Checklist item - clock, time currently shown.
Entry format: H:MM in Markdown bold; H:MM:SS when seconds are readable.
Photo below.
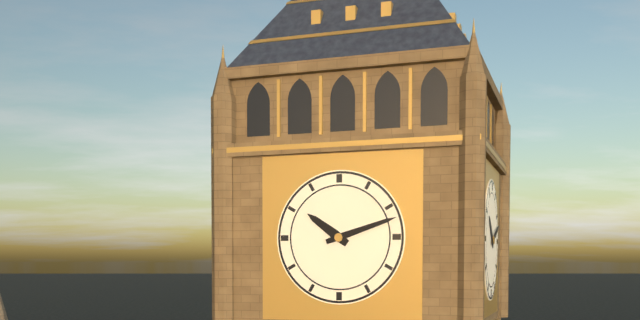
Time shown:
**10:12**
